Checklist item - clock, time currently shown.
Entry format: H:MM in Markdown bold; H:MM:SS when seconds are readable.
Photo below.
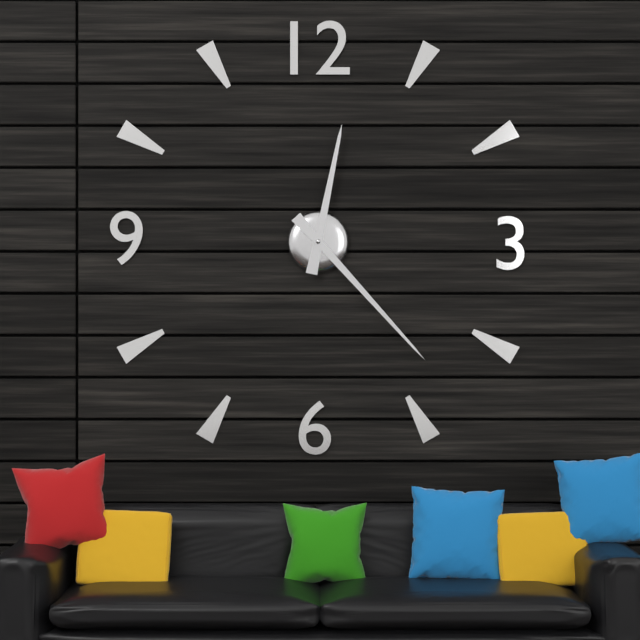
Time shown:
**12:23**
